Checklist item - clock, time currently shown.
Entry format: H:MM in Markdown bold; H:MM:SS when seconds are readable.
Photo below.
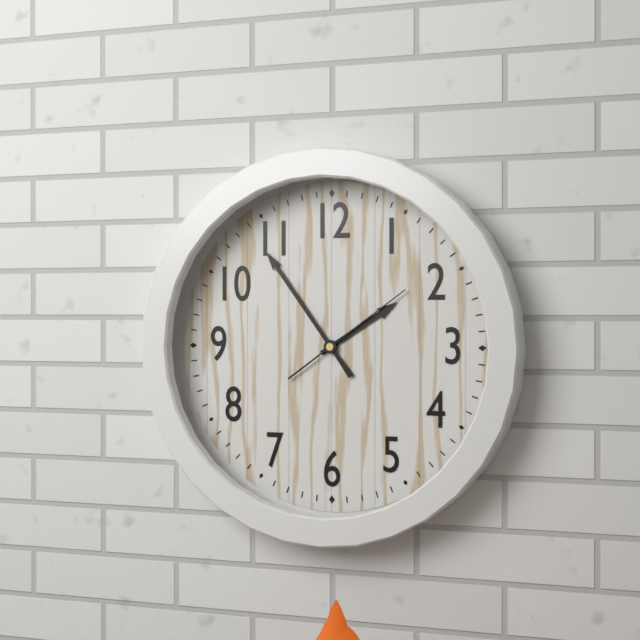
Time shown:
**1:54:09**
